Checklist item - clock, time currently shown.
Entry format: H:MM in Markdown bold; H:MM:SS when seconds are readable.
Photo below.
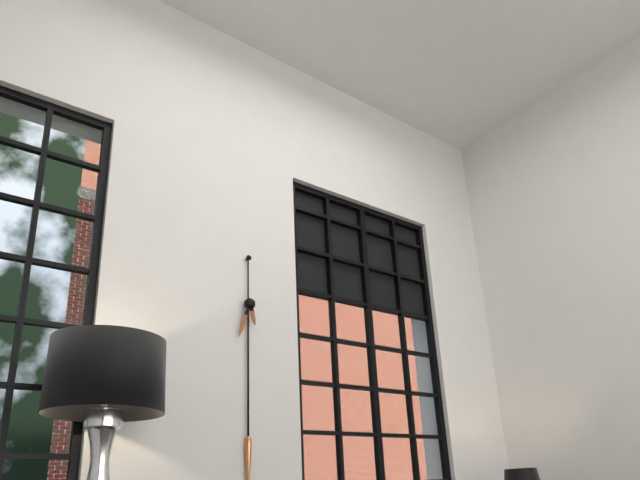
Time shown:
**5:33**
